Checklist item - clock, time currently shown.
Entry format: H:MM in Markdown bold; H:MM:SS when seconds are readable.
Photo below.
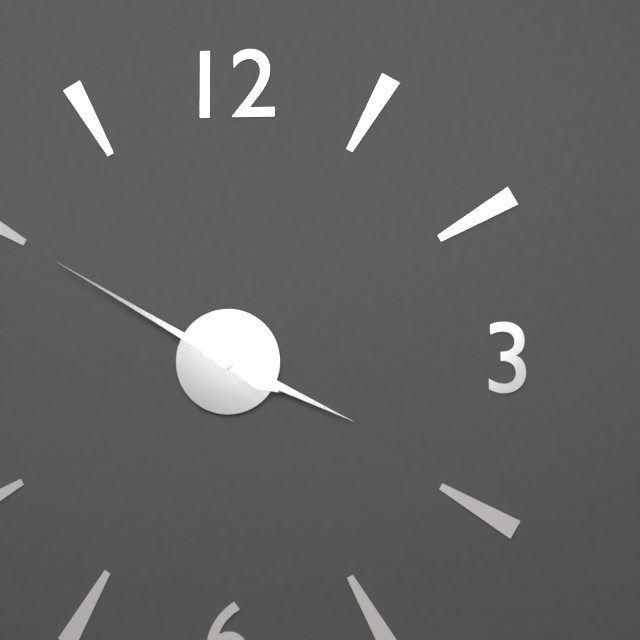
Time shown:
**3:50**
